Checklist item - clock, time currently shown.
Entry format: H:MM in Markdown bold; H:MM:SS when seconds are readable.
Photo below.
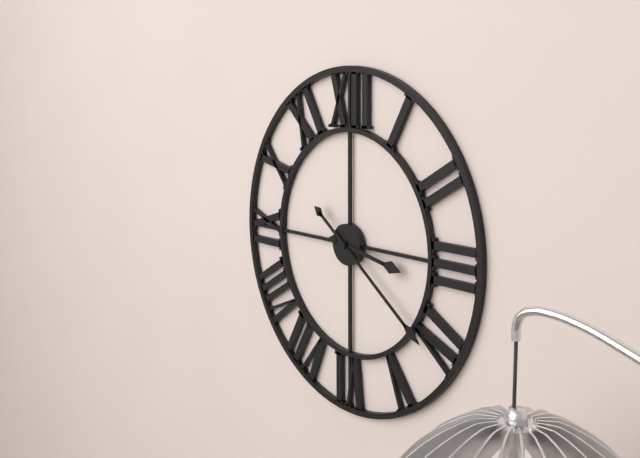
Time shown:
**3:21**
